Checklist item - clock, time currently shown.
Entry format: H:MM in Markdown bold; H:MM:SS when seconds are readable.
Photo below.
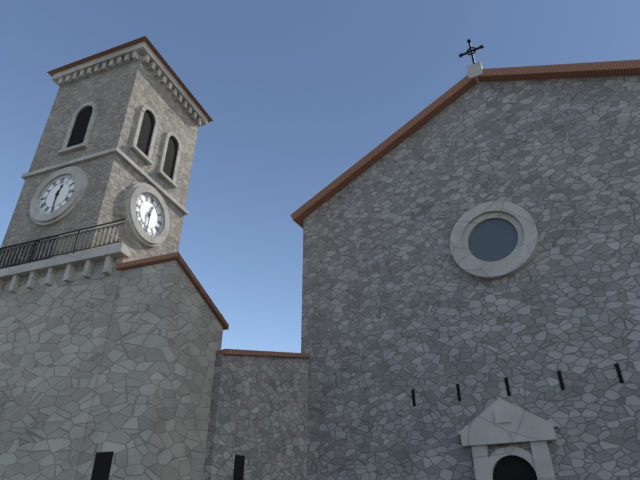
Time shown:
**12:30**
